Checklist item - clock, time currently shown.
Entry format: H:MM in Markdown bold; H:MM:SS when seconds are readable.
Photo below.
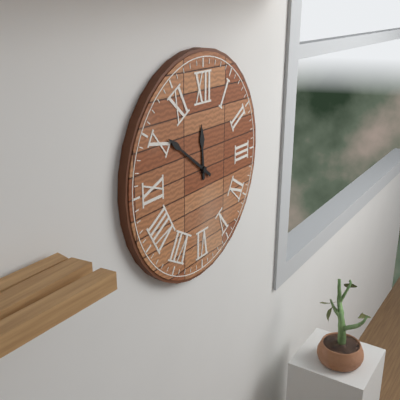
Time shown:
**11:51**
